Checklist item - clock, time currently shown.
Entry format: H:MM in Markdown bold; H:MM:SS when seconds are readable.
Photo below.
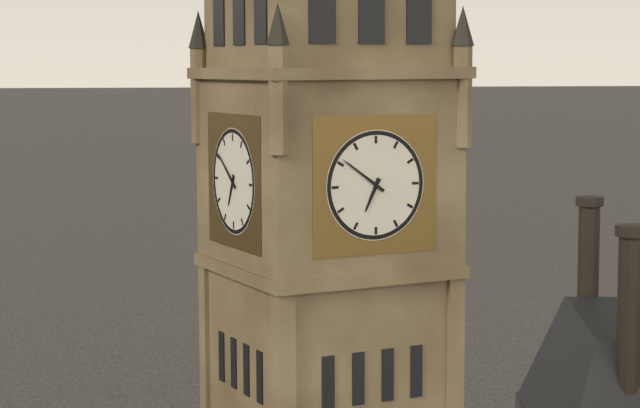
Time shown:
**6:51**
